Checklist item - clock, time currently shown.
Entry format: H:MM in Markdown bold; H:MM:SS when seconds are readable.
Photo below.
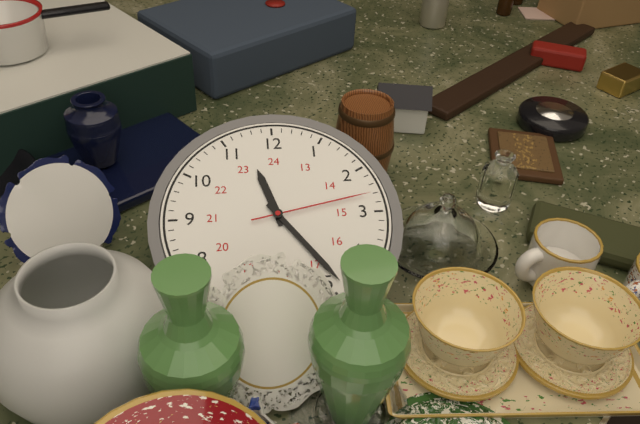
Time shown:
**11:24:13**
